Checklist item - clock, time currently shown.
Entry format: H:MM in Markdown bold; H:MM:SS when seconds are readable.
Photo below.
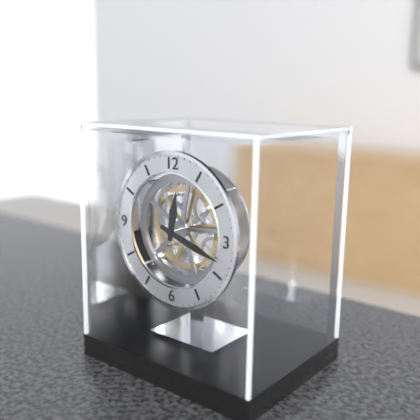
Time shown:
**12:18**
